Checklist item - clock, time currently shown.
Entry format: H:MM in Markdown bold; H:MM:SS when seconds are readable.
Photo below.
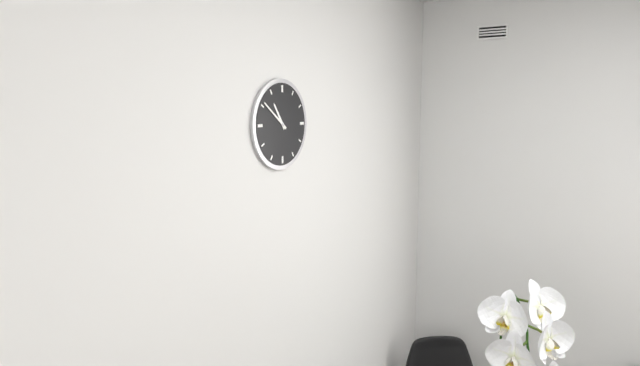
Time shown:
**10:51**
